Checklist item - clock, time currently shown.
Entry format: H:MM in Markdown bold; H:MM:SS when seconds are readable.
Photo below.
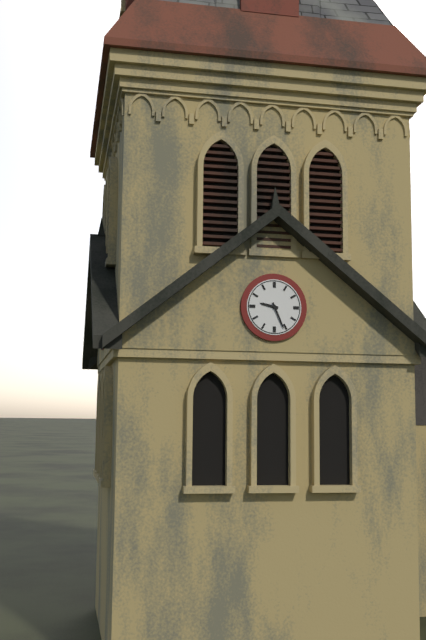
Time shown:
**9:26**
